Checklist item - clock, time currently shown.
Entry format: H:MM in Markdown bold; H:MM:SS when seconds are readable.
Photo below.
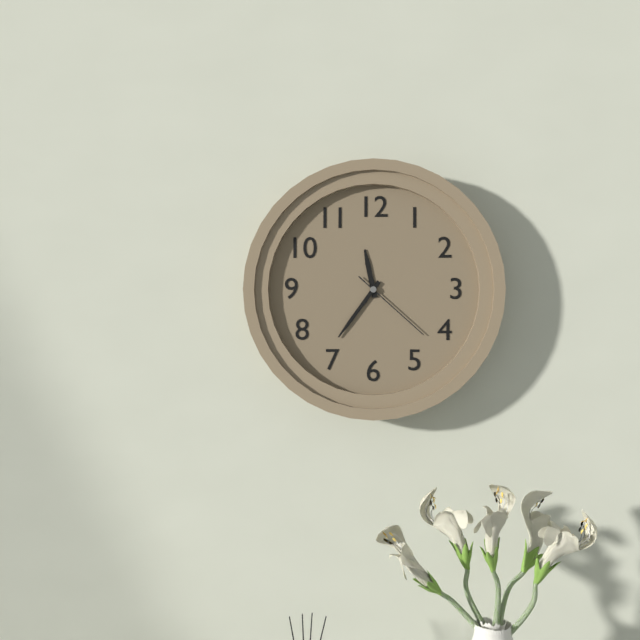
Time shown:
**11:36:22**
